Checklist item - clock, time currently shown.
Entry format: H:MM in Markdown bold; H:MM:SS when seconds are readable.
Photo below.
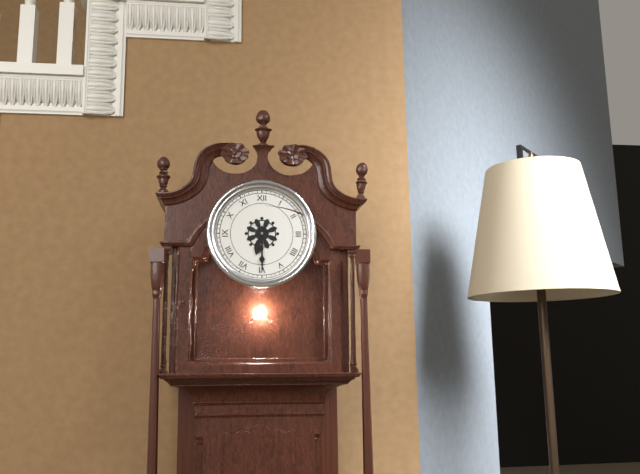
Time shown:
**6:30**
